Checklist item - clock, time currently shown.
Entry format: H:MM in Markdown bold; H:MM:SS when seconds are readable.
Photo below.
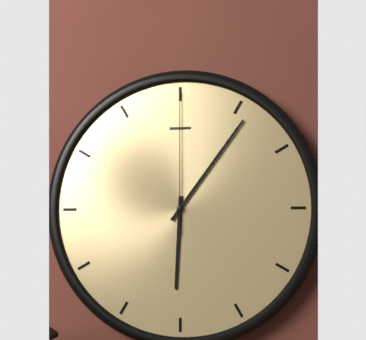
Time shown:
**6:06:00**
